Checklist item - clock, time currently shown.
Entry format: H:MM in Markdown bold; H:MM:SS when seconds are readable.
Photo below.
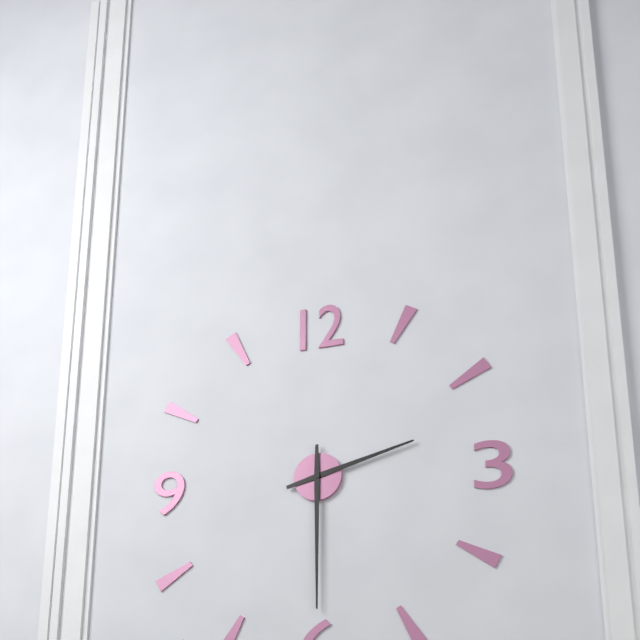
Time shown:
**2:30**
